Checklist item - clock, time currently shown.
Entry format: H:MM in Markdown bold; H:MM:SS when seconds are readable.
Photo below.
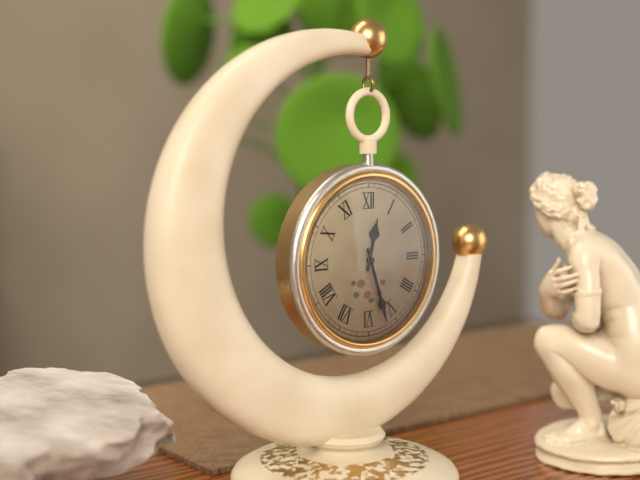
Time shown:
**12:27**
